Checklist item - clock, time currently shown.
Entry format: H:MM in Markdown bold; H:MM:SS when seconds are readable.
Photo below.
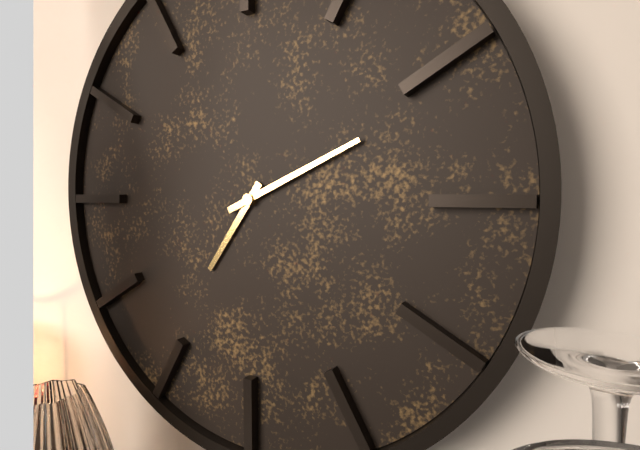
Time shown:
**7:11**
